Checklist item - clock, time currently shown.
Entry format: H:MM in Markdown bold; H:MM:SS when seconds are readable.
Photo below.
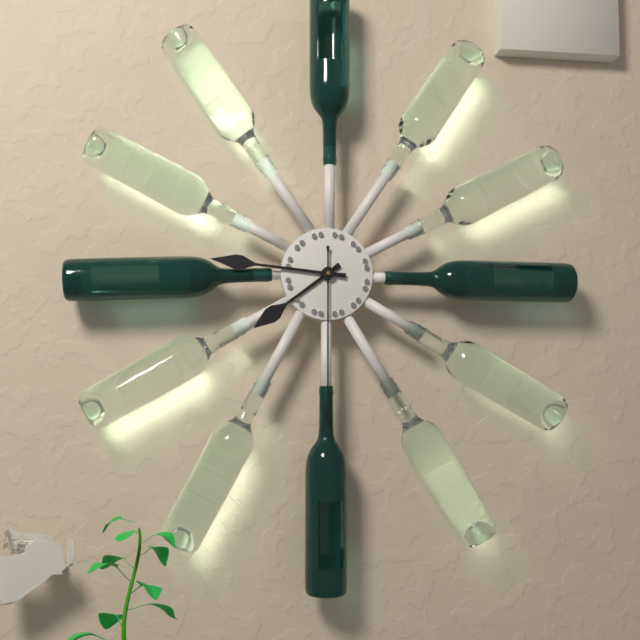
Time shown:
**7:46:30**
